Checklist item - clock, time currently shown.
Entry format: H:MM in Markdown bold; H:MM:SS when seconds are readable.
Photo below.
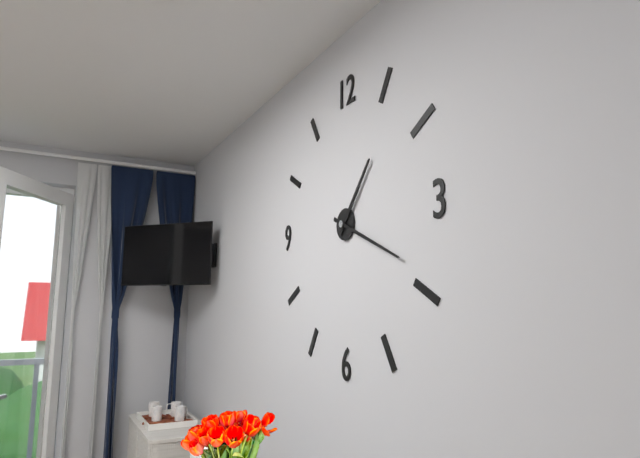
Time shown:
**1:19**
